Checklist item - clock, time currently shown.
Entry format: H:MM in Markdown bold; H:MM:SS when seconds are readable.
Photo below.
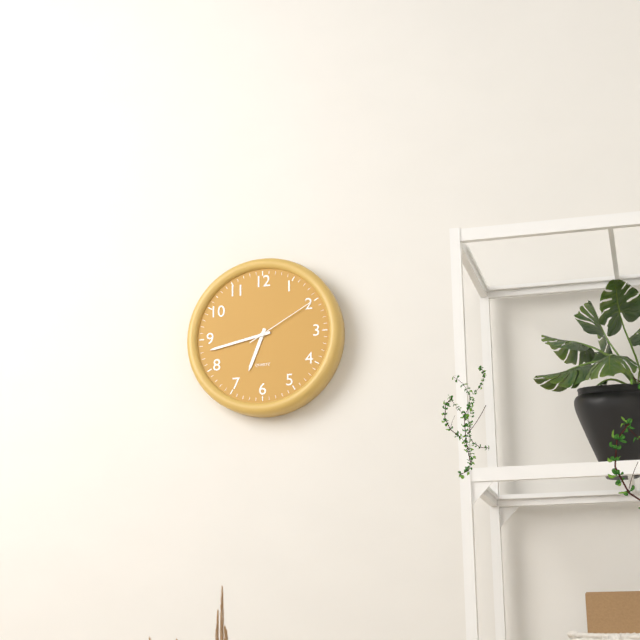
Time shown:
**6:43:10**
